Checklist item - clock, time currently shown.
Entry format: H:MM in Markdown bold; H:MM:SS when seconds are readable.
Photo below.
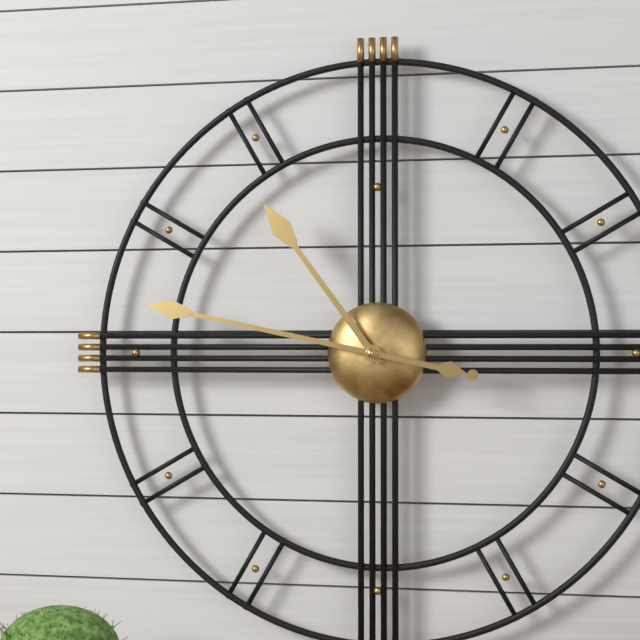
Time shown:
**10:47**
